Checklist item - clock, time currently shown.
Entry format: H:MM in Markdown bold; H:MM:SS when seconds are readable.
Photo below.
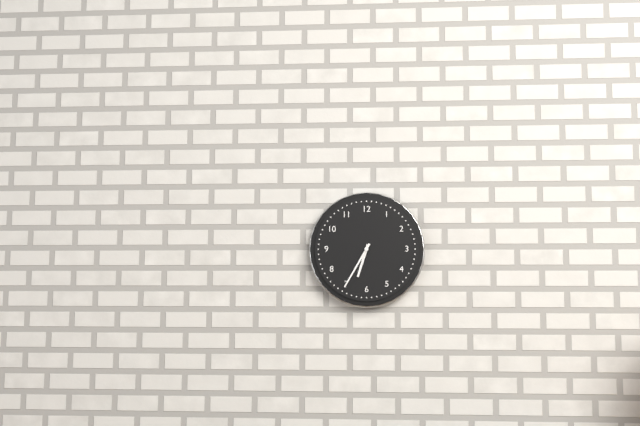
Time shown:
**6:35**
